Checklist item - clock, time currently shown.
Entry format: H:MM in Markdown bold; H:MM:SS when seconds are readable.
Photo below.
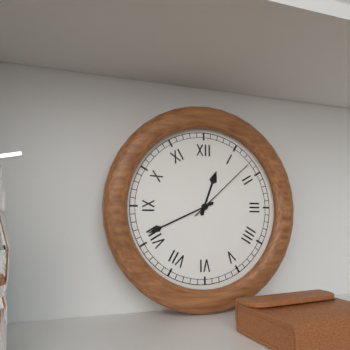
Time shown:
**12:41:08**
